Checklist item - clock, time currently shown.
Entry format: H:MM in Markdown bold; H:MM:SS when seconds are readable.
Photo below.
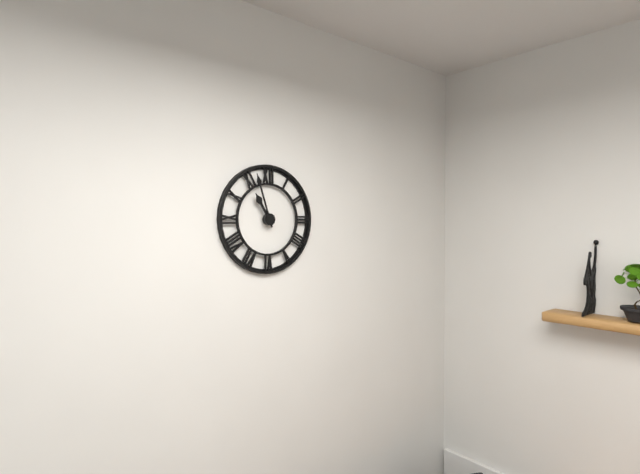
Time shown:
**10:57**
